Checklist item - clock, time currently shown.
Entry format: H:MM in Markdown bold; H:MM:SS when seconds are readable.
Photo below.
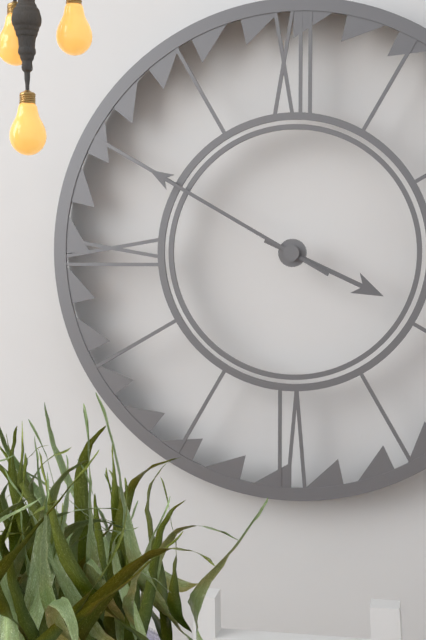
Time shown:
**3:50**
